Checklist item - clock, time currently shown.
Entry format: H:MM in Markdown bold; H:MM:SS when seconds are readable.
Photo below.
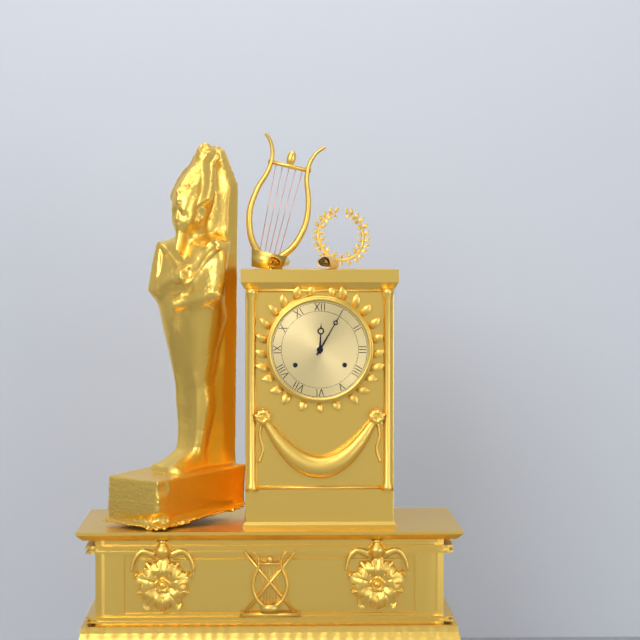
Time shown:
**12:05**
